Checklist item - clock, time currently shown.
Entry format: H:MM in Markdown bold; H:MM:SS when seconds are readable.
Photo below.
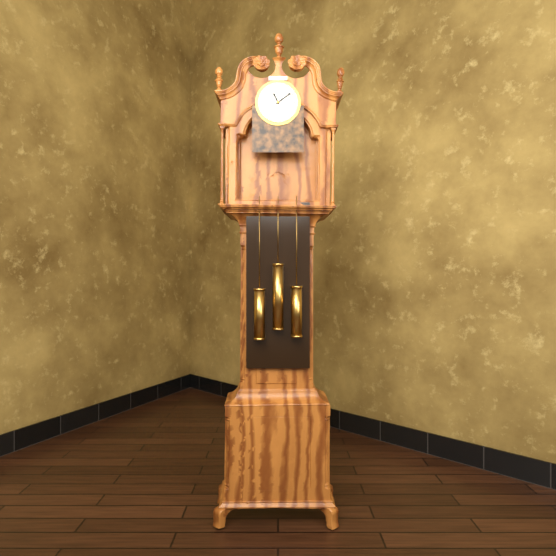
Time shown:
**11:09**
